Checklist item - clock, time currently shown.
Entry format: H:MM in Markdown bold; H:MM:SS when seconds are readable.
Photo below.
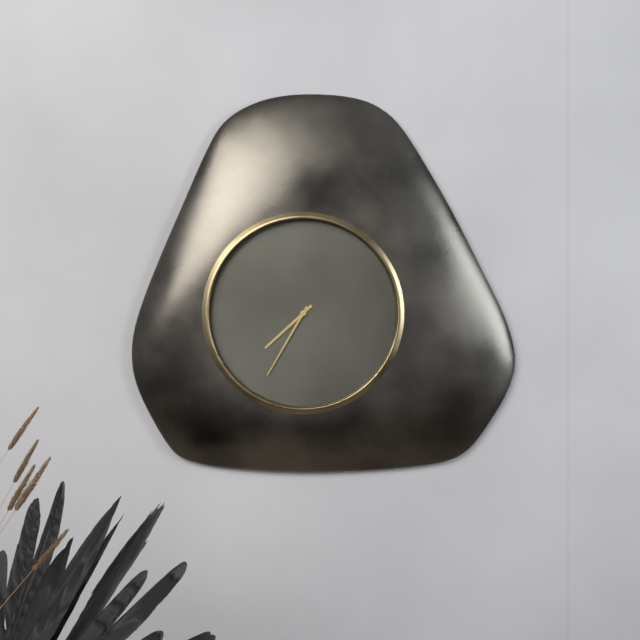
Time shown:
**7:35**
